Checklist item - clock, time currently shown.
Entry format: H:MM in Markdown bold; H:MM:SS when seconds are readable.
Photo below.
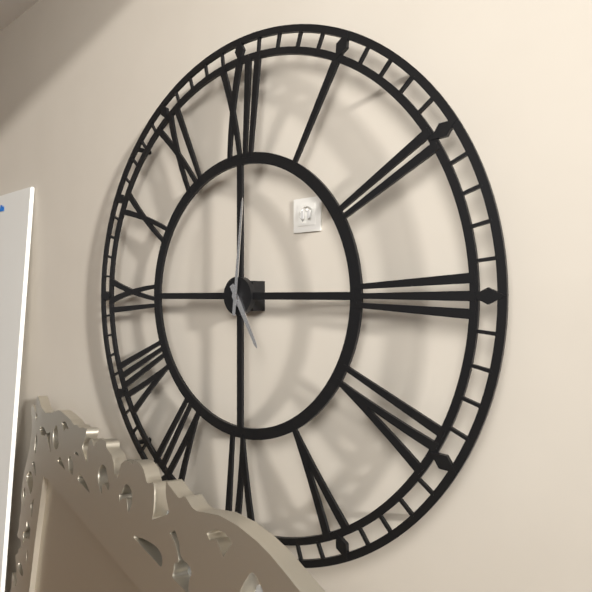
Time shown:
**5:01**
